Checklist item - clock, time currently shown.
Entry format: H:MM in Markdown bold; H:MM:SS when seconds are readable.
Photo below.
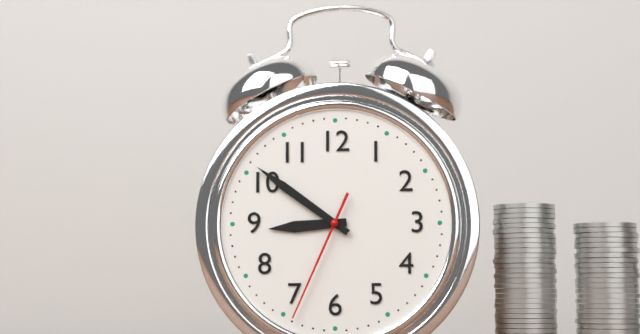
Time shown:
**8:51:34**
